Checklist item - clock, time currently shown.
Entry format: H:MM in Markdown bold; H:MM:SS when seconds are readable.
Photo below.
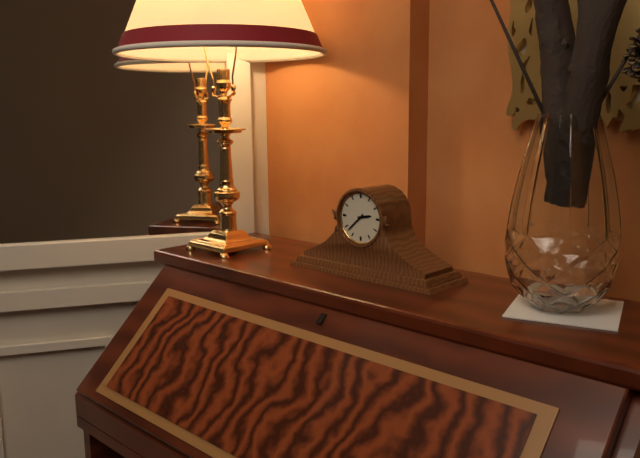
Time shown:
**2:38**
